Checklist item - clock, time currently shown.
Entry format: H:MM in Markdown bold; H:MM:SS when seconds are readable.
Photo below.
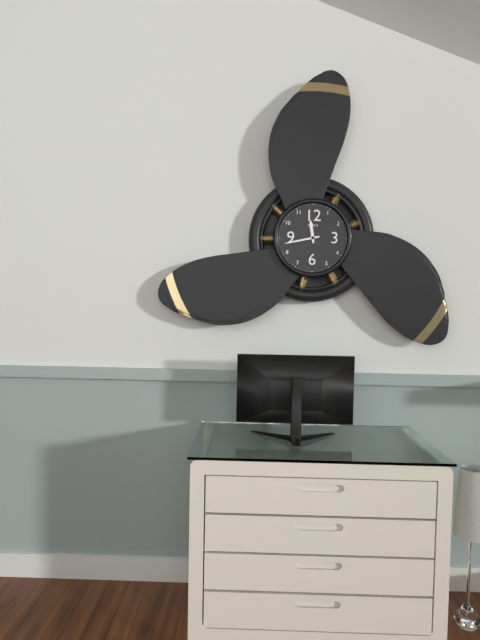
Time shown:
**11:43**
